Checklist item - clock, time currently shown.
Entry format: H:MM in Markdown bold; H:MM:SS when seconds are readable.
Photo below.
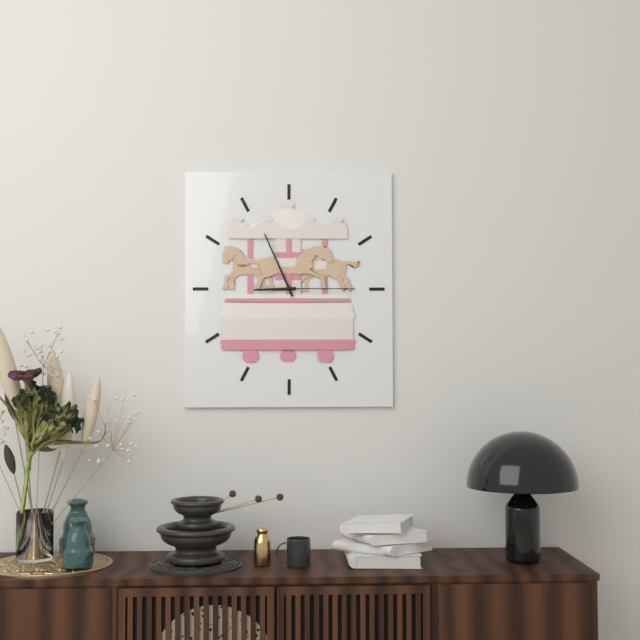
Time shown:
**8:56:15**
